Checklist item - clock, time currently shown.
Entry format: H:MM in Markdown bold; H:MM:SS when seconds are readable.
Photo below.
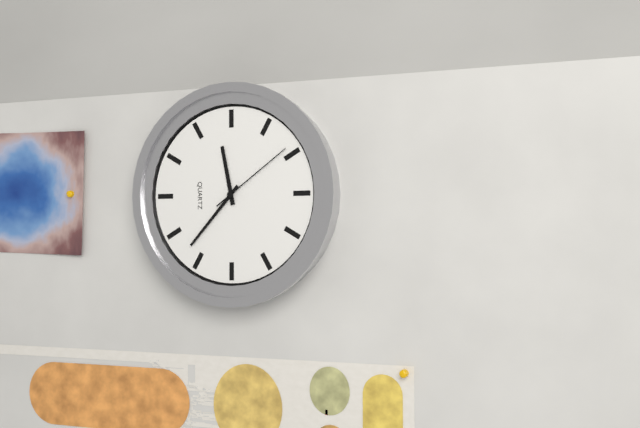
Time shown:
**11:37:09**
